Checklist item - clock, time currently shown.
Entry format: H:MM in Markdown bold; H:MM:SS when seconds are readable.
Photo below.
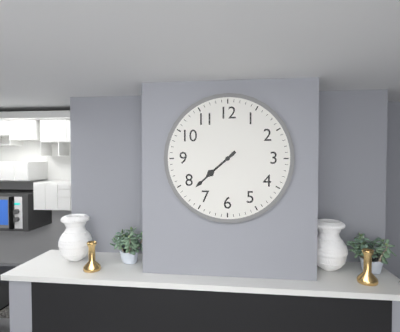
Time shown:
**7:38**
